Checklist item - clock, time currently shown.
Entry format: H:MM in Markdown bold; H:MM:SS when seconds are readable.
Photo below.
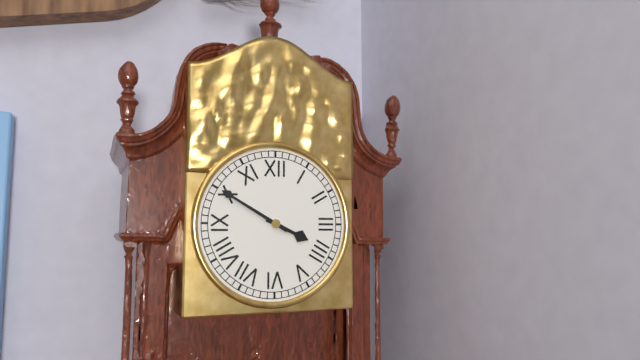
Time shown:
**3:50**
